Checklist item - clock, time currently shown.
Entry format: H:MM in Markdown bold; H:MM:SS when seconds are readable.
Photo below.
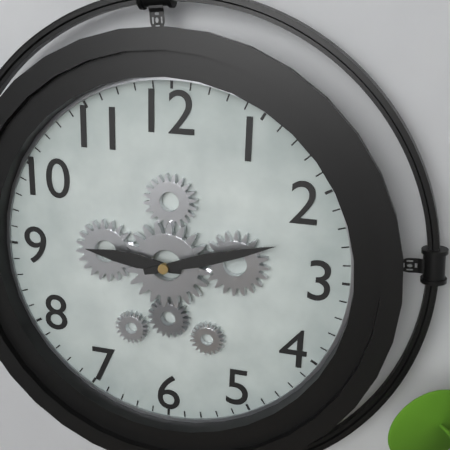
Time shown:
**9:12**
